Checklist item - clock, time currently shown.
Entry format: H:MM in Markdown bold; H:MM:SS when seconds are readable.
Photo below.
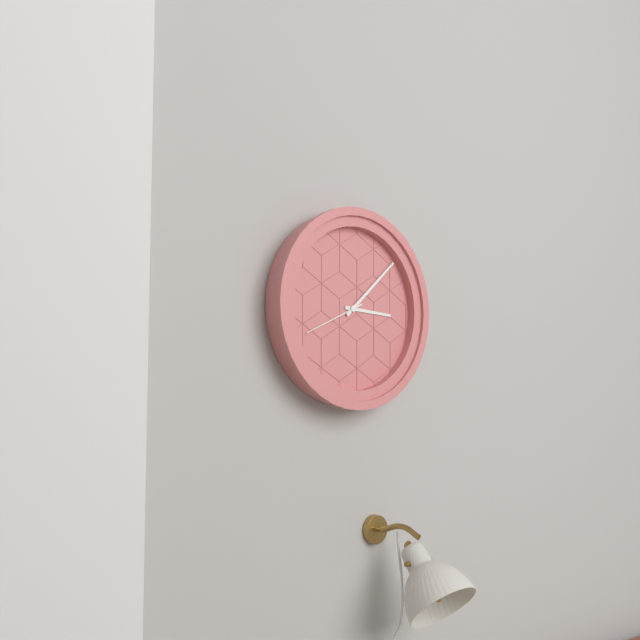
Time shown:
**3:08:41**
